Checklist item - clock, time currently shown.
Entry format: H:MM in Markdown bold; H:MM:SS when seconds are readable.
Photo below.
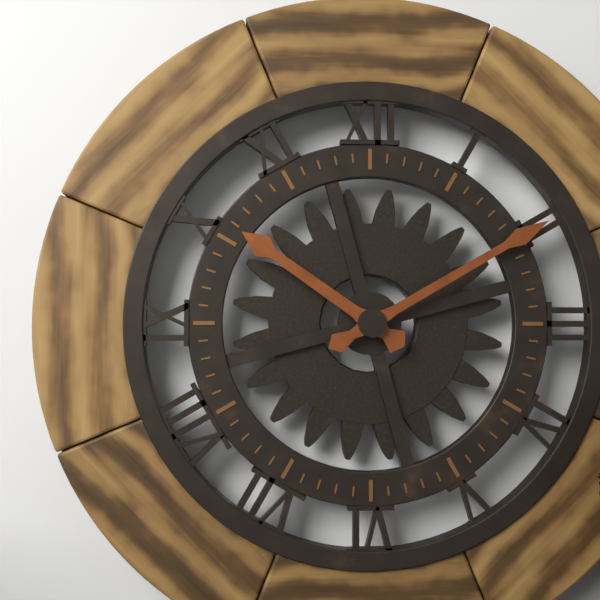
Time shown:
**10:10**
